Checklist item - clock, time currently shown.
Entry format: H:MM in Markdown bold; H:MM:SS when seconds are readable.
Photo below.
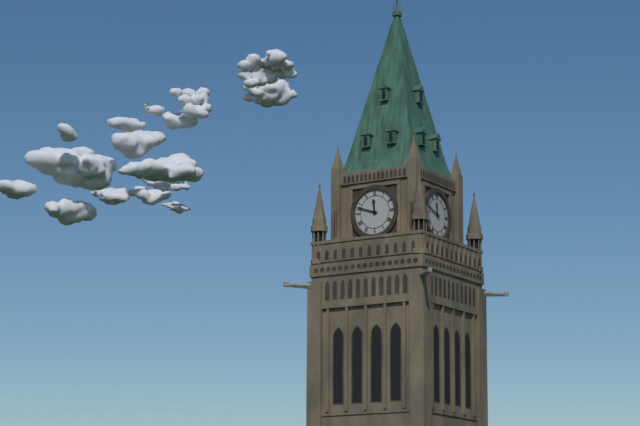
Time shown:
**11:48**
